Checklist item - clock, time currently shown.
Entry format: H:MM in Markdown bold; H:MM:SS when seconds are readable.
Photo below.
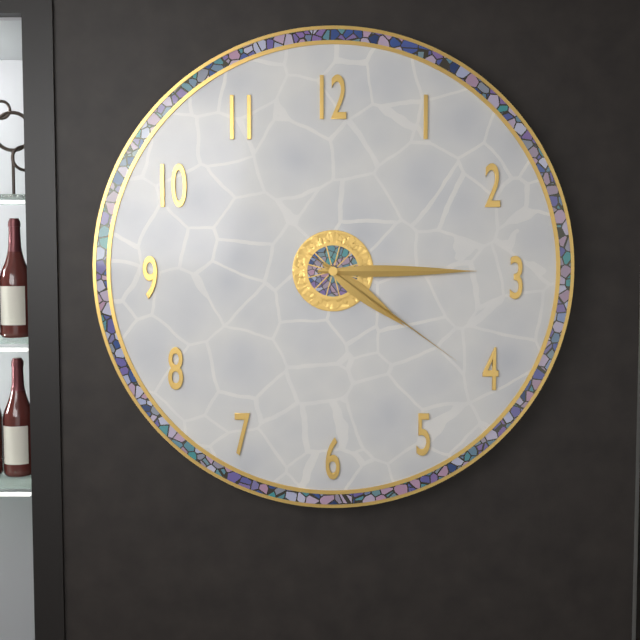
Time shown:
**4:15:21**
